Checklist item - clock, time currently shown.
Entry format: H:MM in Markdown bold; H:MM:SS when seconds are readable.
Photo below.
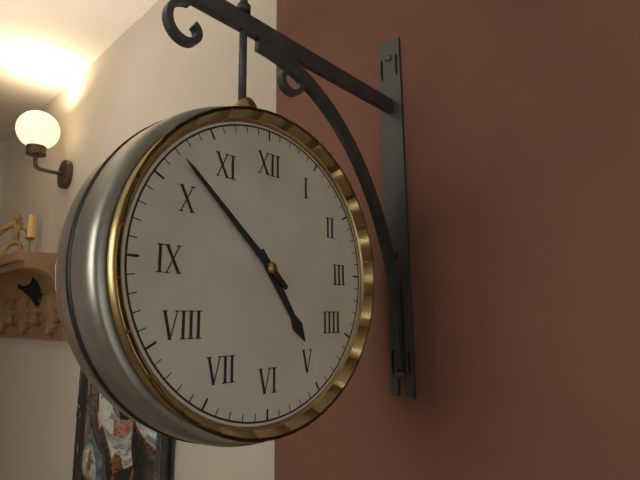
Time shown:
**4:52**
